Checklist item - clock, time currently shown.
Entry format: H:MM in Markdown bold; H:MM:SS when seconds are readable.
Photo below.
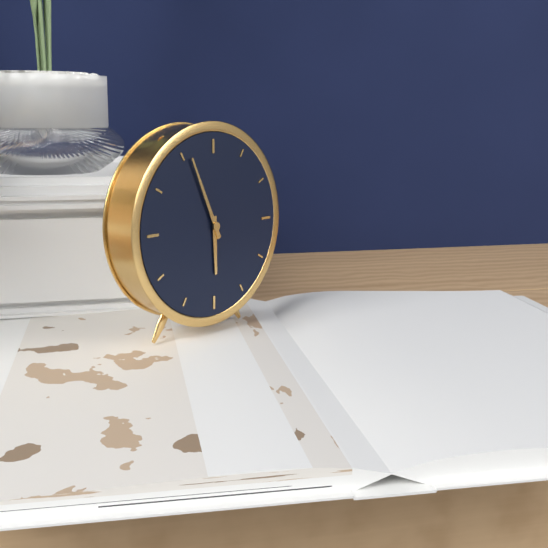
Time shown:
**5:56**
